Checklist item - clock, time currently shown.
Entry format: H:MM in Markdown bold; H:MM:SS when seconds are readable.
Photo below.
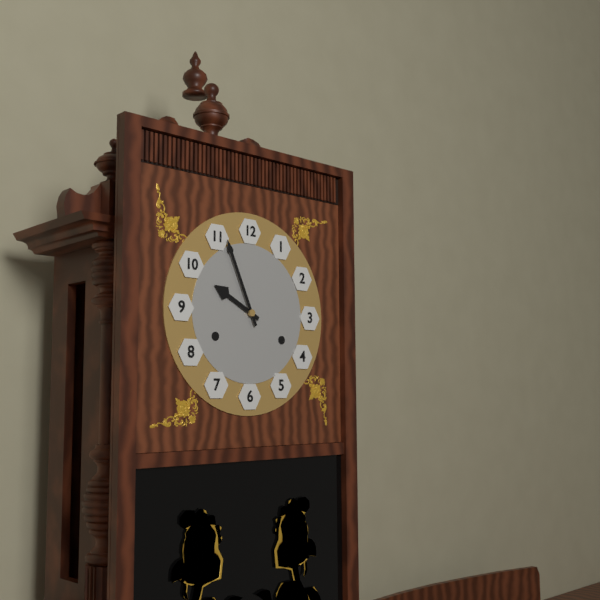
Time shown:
**9:56**
